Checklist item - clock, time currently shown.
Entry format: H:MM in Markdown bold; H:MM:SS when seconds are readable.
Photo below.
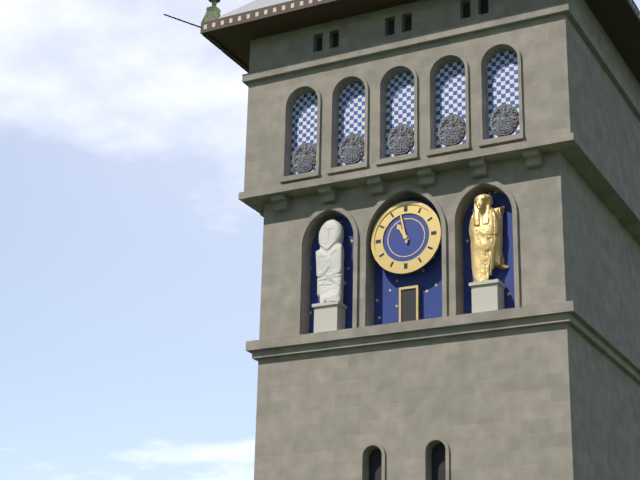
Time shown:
**10:58**
